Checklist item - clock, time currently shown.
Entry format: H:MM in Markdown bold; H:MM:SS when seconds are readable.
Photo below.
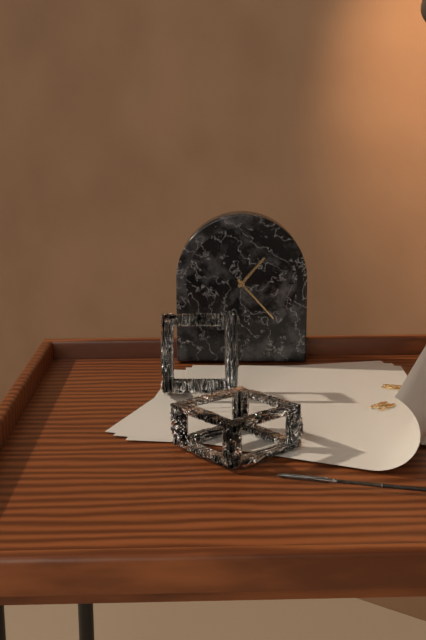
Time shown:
**1:23**
